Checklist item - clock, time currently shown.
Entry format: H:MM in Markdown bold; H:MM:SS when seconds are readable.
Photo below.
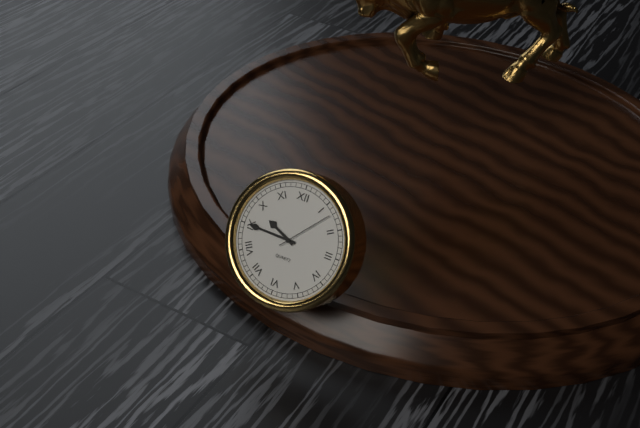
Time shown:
**9:45:07**
